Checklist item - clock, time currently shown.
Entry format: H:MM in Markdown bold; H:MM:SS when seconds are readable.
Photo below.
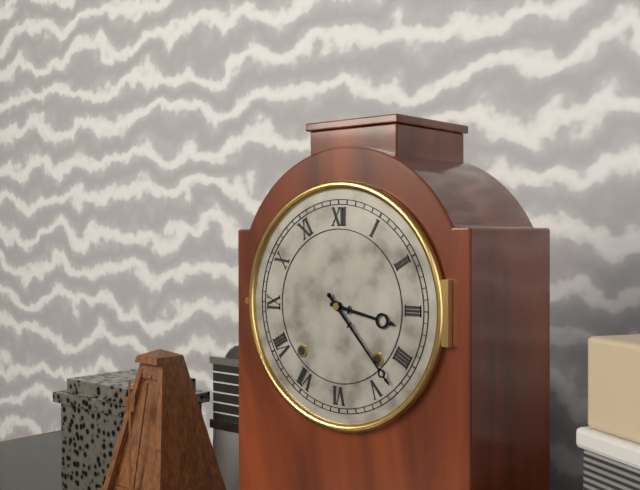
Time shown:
**3:23**
